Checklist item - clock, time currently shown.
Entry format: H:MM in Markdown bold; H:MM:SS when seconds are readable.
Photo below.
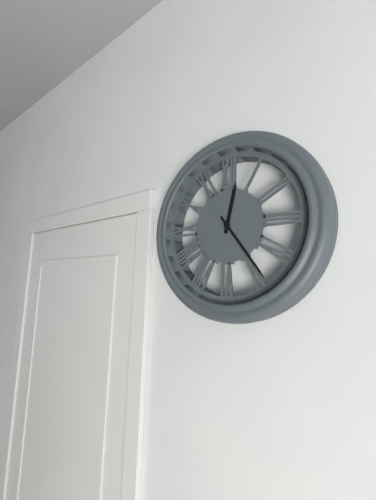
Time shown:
**12:24**
